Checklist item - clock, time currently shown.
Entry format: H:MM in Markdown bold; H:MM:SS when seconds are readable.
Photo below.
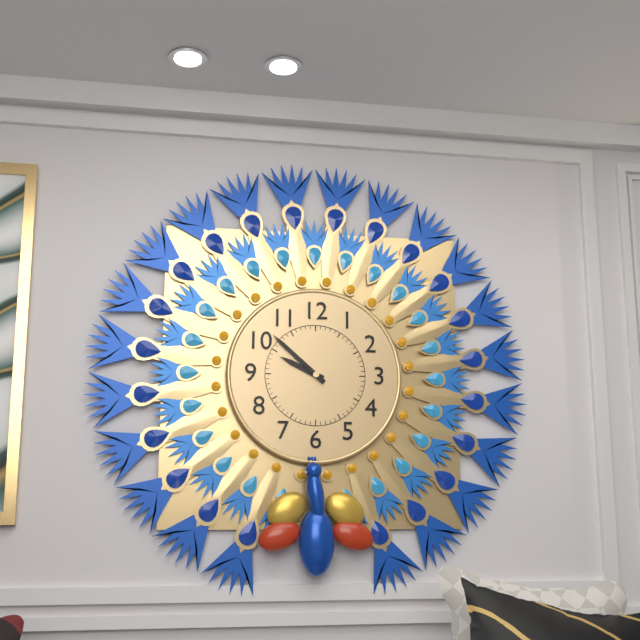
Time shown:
**9:52**
